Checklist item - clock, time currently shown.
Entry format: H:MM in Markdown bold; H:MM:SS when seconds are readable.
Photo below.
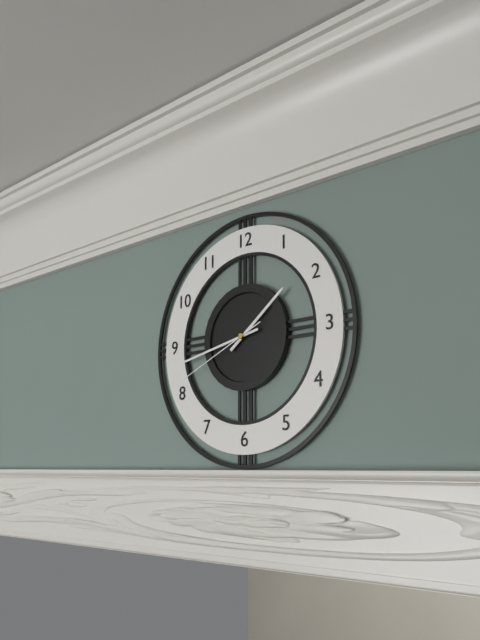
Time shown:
**1:43:41**
